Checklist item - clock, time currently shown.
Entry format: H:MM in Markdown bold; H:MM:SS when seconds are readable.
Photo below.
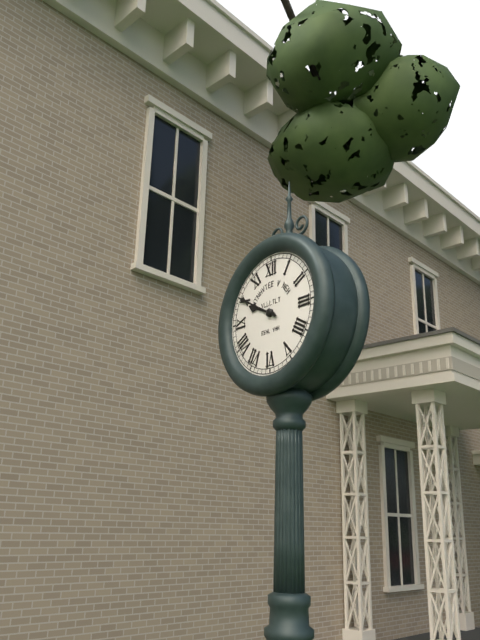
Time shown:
**9:50**
